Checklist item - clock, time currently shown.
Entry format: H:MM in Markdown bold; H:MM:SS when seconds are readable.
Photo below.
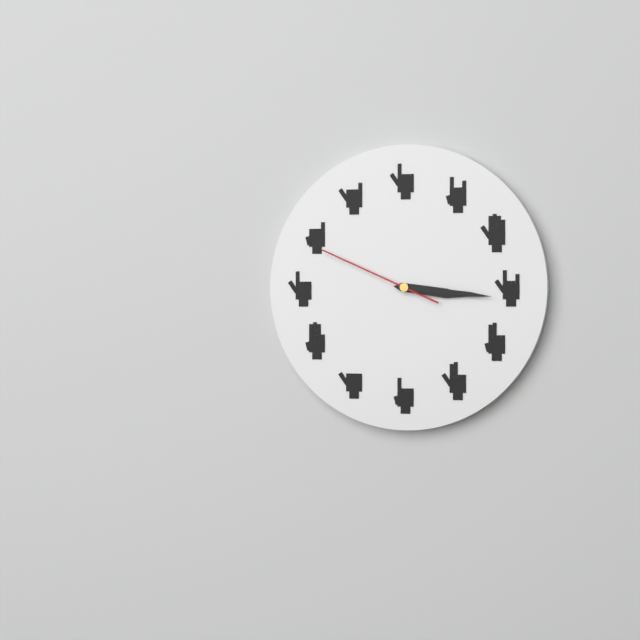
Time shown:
**3:16:49**
